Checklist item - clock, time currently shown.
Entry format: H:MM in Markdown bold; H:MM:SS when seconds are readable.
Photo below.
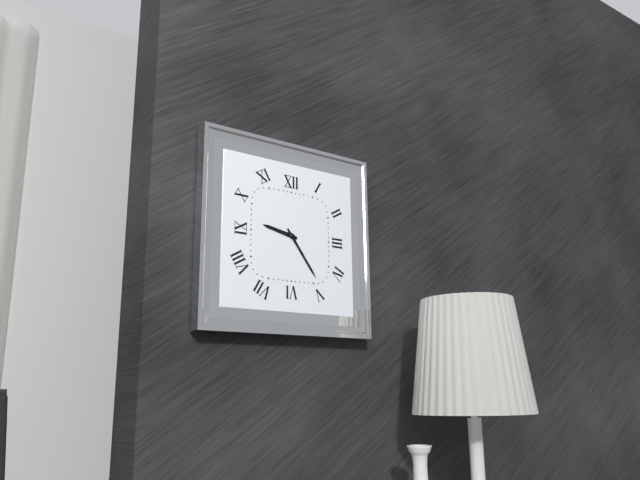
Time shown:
**9:24**
